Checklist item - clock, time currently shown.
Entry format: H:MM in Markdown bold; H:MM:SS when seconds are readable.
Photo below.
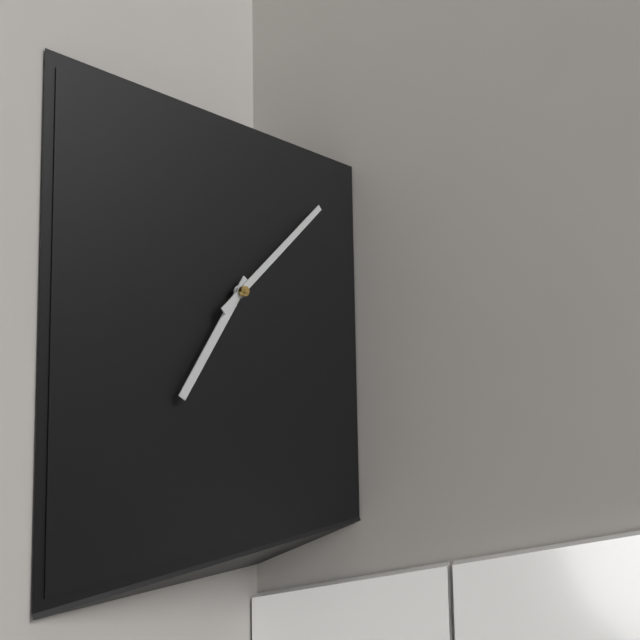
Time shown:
**7:08**
